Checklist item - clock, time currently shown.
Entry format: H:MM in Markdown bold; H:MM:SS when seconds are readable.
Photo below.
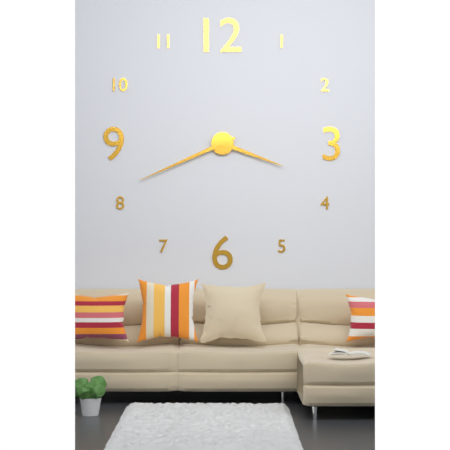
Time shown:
**3:41**
